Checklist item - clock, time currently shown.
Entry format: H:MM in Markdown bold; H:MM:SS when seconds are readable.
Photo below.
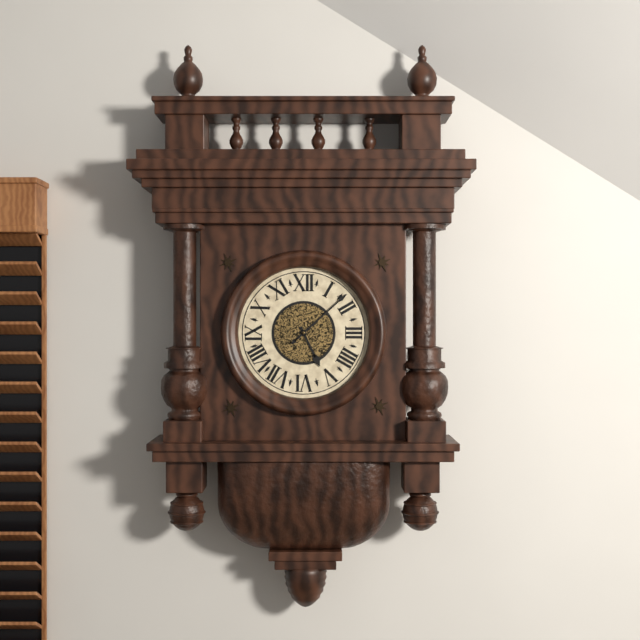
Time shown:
**5:08**
